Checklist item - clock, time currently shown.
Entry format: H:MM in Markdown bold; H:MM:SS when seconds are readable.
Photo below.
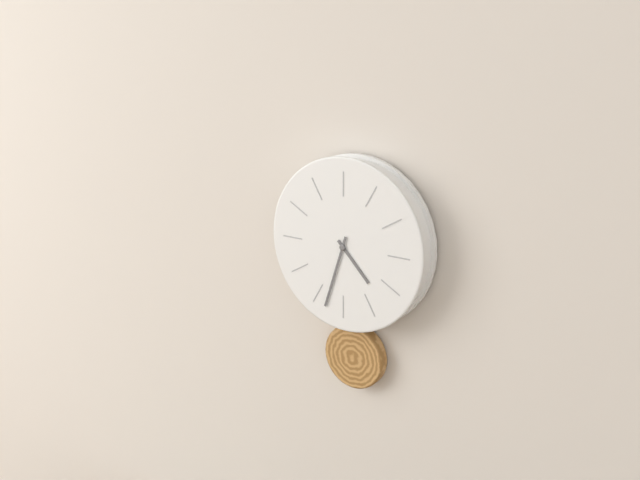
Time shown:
**4:33**
